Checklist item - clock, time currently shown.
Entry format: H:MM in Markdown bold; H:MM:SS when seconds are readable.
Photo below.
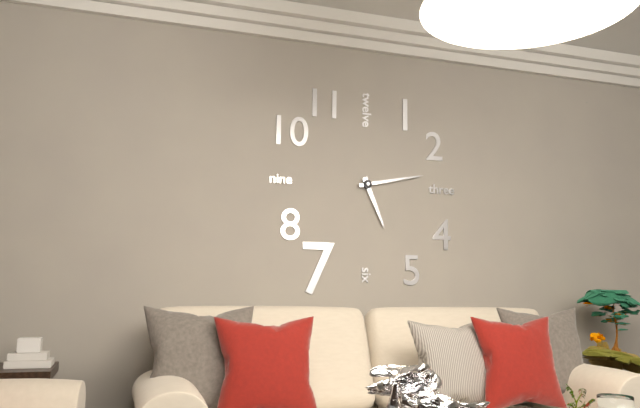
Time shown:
**5:13**
